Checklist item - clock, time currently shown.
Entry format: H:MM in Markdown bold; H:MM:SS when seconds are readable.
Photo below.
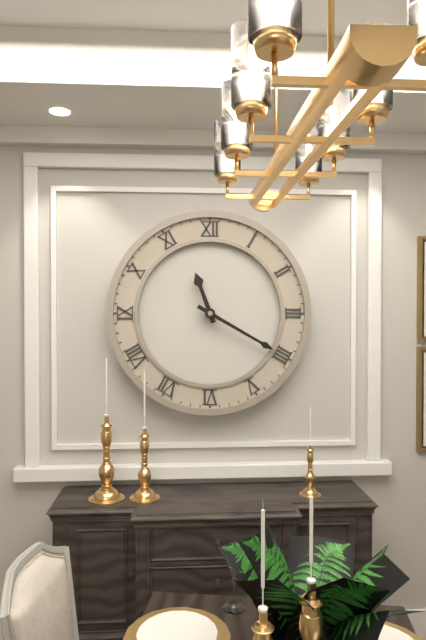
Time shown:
**11:20**
